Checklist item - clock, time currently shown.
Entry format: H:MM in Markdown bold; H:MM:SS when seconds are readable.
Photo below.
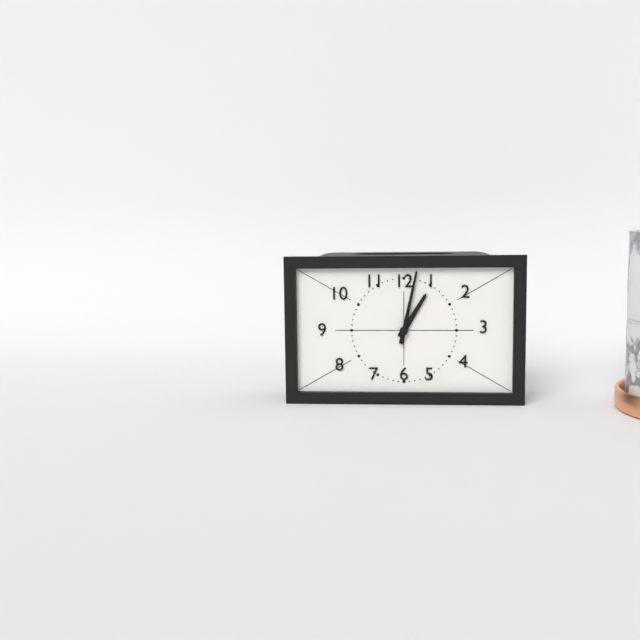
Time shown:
**1:02**
